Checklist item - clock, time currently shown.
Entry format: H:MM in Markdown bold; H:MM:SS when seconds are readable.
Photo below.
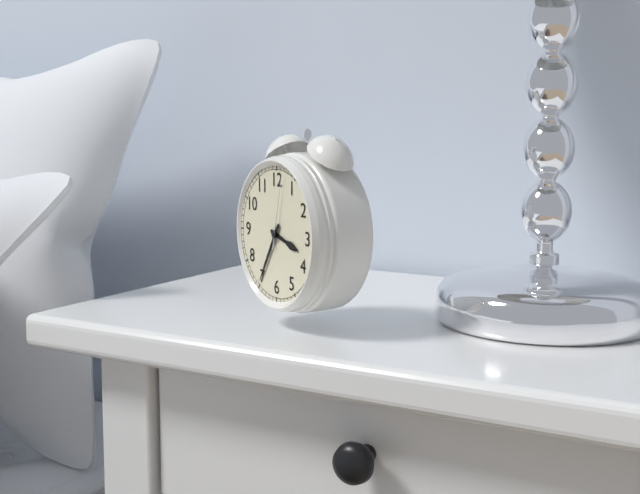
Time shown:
**3:35:02**
